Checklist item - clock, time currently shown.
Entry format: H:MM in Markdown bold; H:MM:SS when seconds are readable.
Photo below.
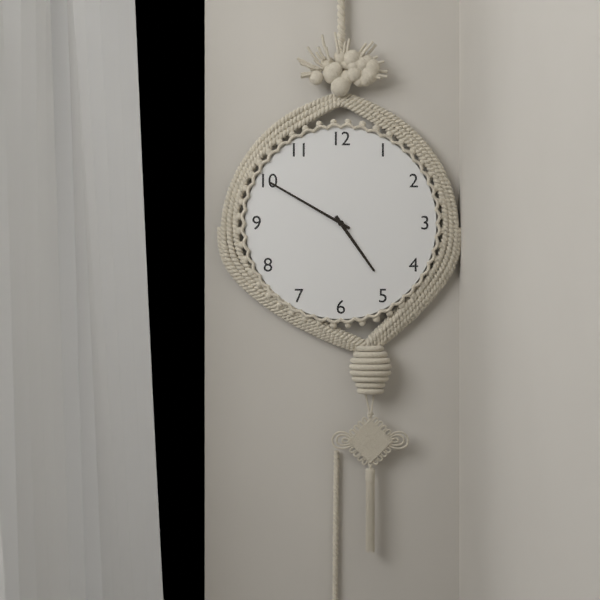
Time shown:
**4:50**
